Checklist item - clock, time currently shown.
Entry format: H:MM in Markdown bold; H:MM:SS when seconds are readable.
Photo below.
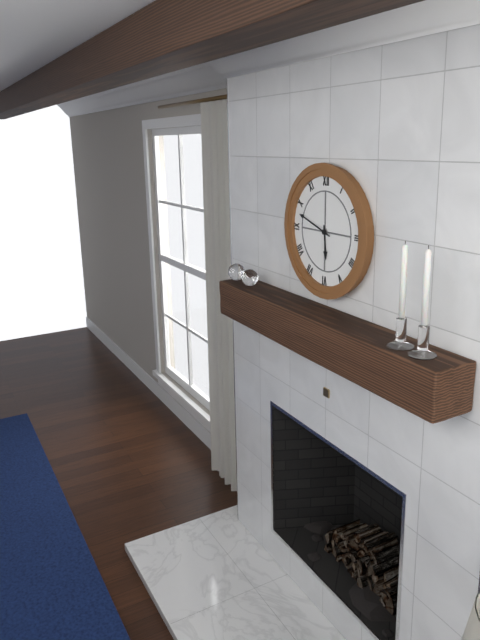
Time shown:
**5:48**
